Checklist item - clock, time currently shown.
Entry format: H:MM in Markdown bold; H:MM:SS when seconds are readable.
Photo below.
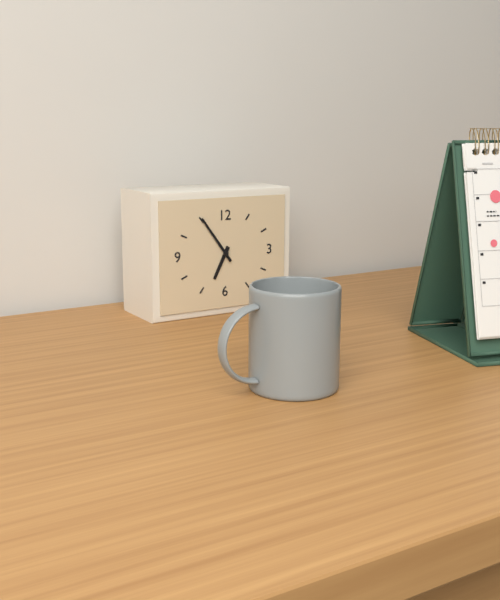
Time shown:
**6:54**
